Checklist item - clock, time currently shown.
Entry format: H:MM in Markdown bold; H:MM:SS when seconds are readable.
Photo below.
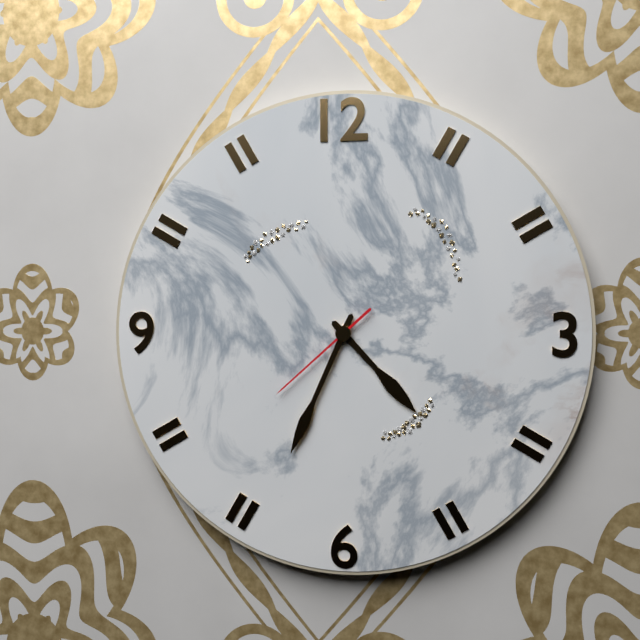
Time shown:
**4:34:38**
